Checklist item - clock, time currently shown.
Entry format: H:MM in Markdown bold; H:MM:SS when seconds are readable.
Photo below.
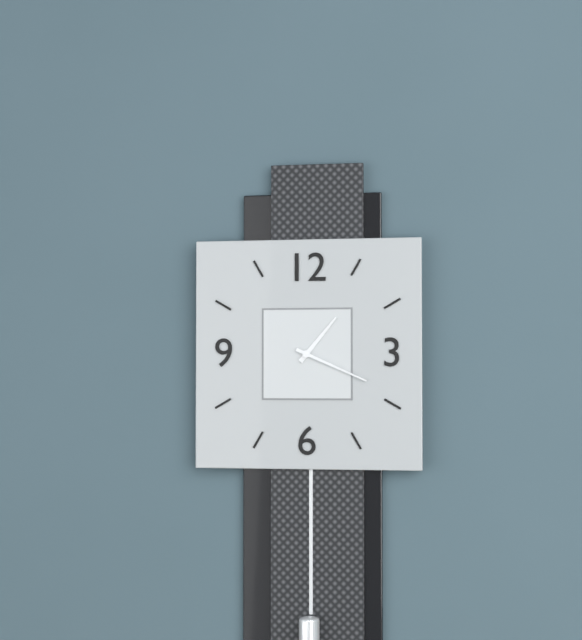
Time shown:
**1:19**
